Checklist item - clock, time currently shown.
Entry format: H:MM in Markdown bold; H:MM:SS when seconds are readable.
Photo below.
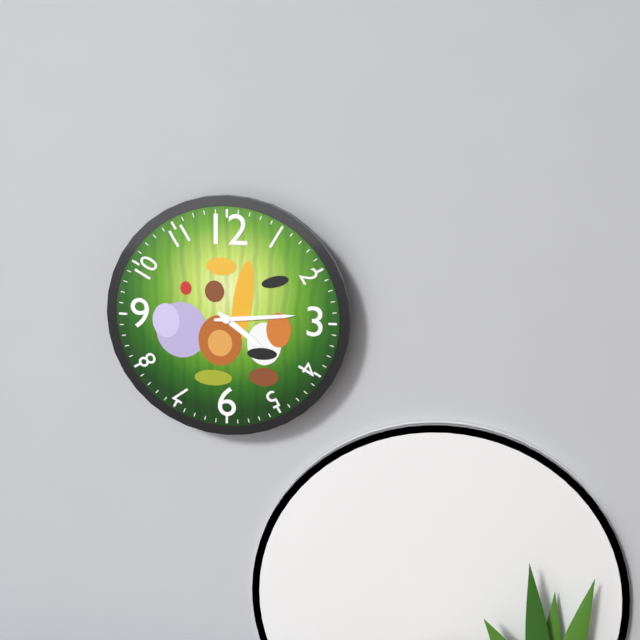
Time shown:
**4:14**
